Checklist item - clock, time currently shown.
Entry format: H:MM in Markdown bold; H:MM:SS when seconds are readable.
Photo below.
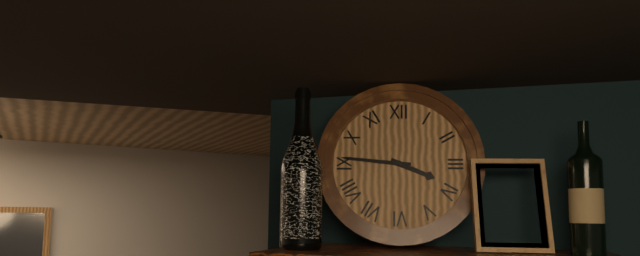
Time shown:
**3:46**
